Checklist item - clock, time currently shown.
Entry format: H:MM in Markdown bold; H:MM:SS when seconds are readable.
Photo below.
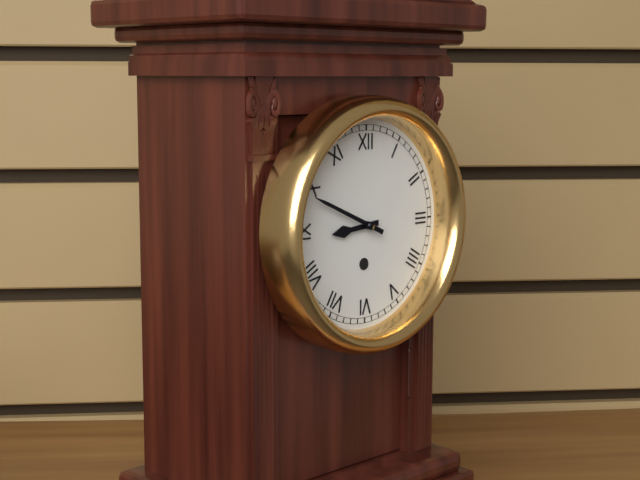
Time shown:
**8:49**
